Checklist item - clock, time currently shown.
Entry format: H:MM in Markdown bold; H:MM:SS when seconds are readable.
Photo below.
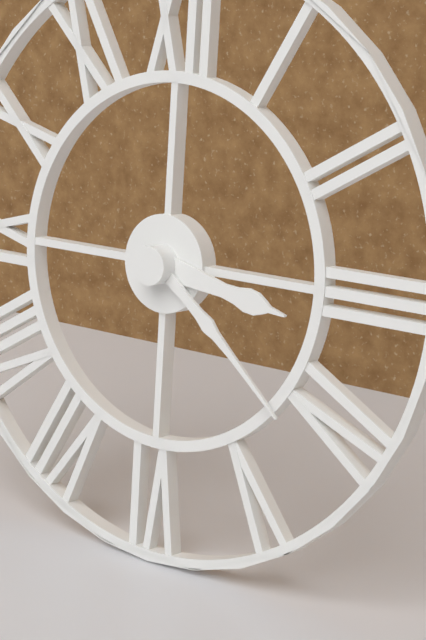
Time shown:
**3:21**
